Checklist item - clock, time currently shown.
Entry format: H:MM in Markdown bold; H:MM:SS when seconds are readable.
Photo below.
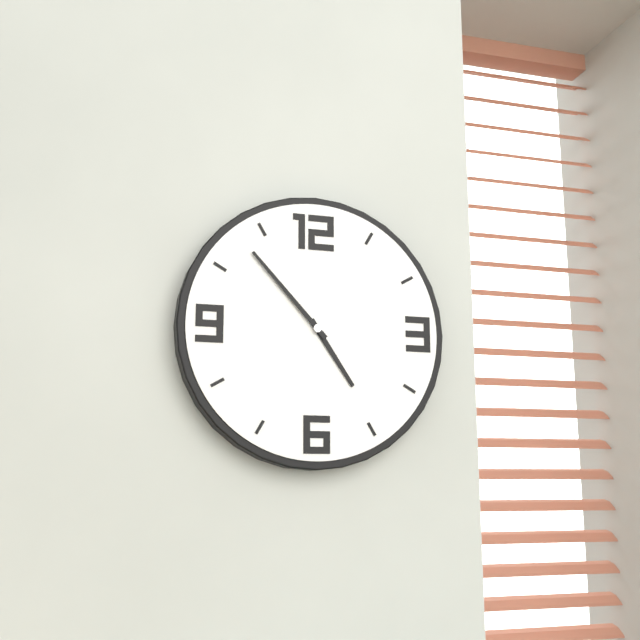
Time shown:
**4:53**
